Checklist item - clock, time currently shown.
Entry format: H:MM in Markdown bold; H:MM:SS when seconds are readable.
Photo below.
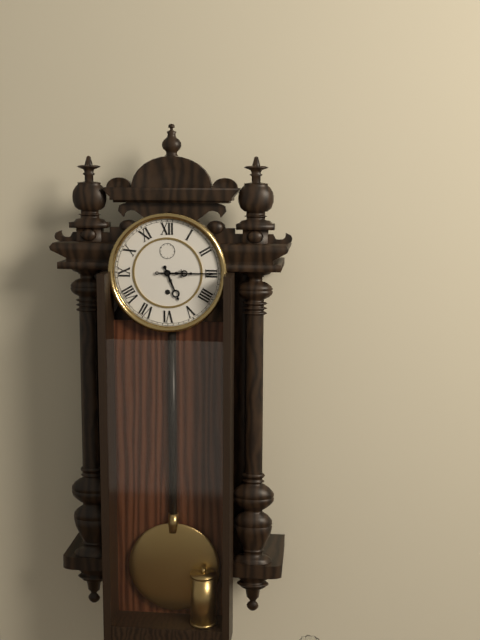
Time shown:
**5:15**
